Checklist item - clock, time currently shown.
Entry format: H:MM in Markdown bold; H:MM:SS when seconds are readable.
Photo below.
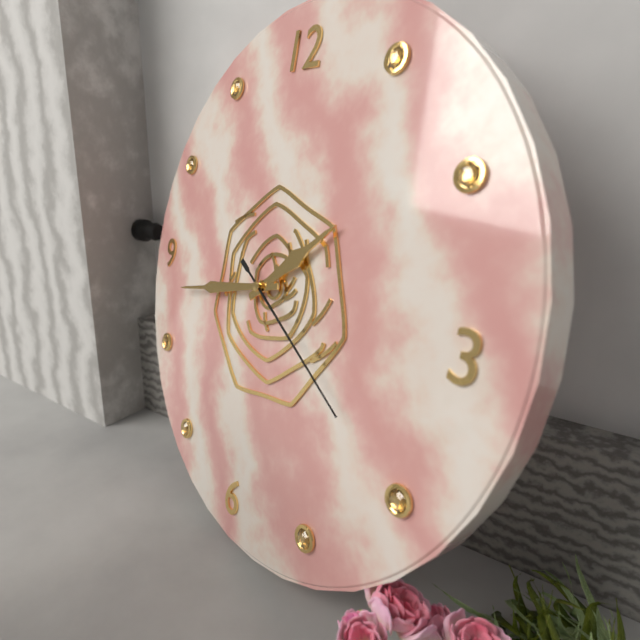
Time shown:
**1:43:20**
